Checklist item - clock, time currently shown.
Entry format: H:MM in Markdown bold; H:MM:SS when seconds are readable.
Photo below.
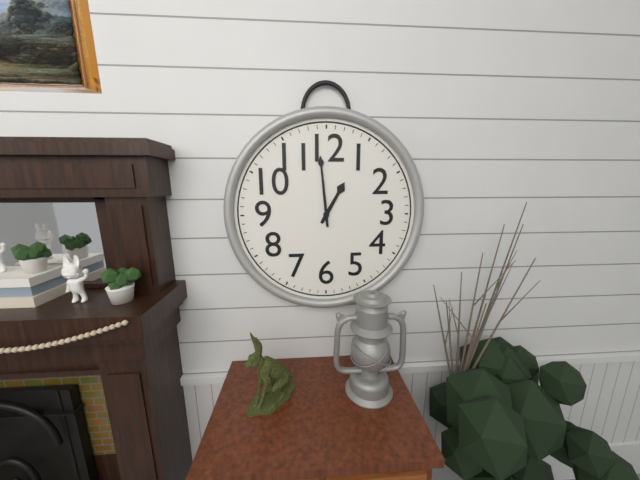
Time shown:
**12:59**
